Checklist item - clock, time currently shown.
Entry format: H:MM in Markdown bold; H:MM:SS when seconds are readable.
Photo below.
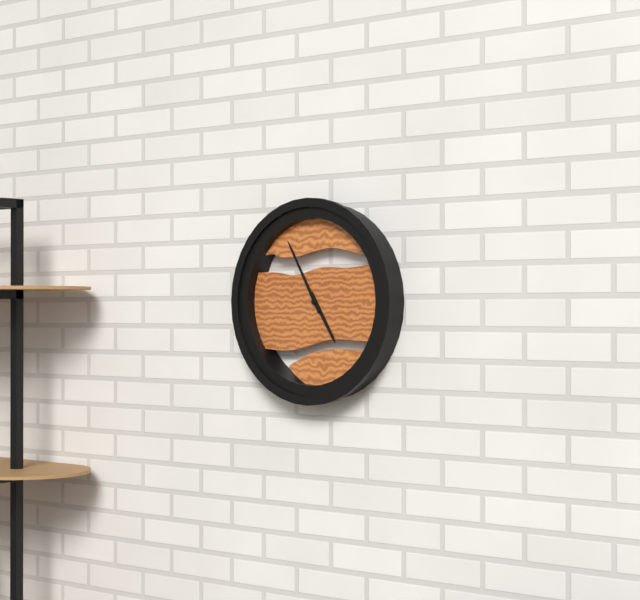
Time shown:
**4:55**
